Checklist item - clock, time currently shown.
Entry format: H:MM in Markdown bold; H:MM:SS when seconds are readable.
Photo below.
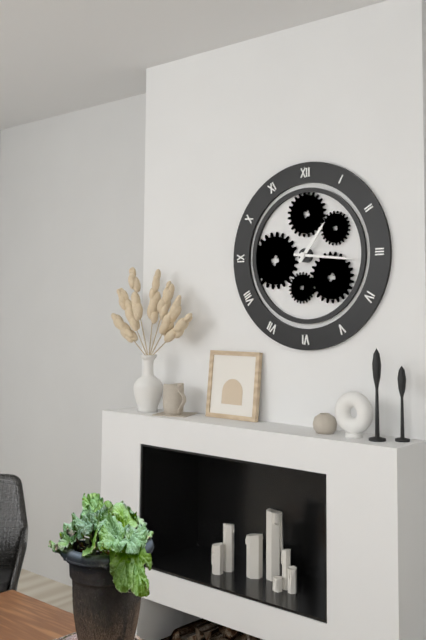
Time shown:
**1:16**
